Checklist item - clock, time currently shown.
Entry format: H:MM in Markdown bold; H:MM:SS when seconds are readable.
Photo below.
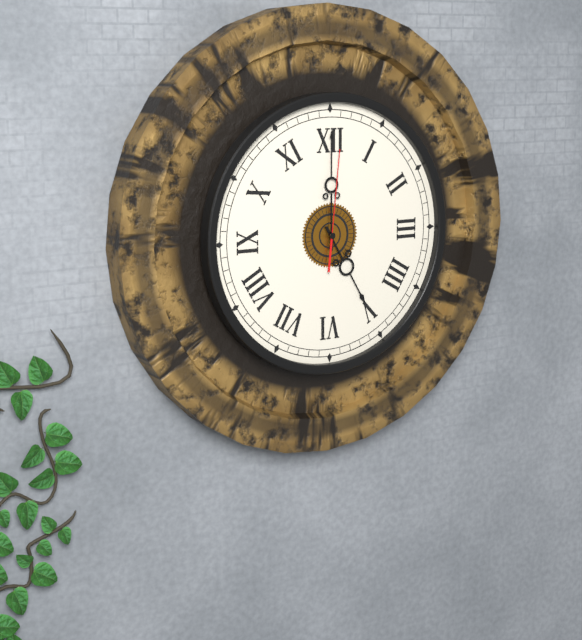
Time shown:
**5:00:01**
